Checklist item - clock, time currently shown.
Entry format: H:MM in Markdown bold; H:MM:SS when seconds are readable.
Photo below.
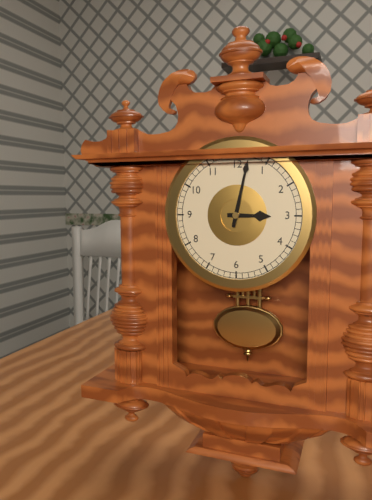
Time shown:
**3:02**
